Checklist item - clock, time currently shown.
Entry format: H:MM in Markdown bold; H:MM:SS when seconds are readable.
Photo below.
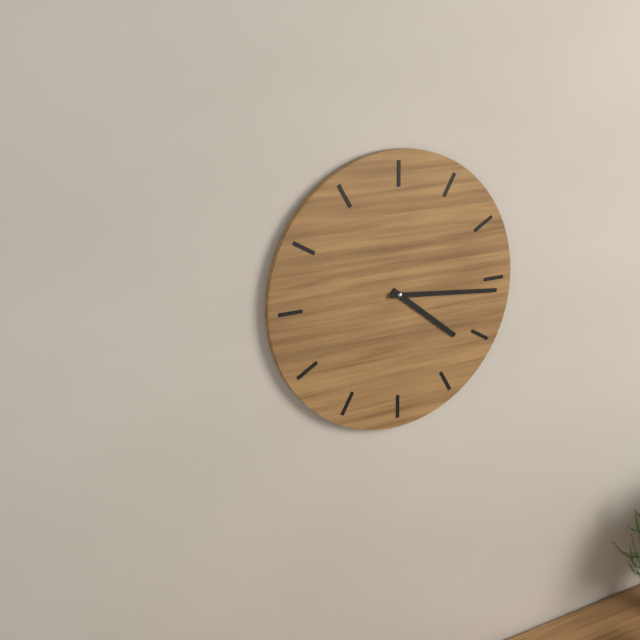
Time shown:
**4:16**
